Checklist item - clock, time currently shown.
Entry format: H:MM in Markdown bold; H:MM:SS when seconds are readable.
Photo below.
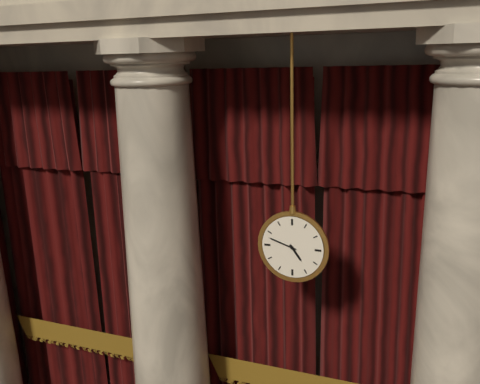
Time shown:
**4:48**
